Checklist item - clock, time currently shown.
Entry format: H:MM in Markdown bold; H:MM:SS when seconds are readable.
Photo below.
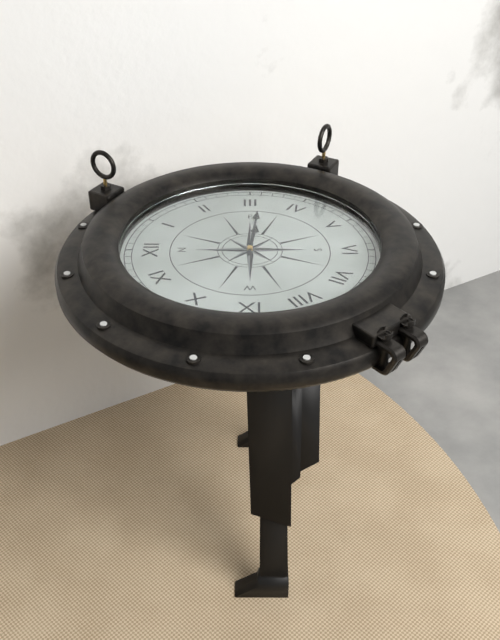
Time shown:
**3:16**
